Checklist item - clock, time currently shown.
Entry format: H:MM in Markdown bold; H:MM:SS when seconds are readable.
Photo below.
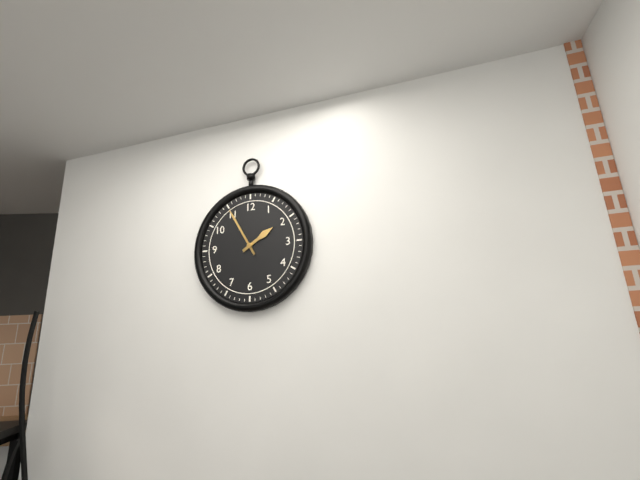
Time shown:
**1:55**
